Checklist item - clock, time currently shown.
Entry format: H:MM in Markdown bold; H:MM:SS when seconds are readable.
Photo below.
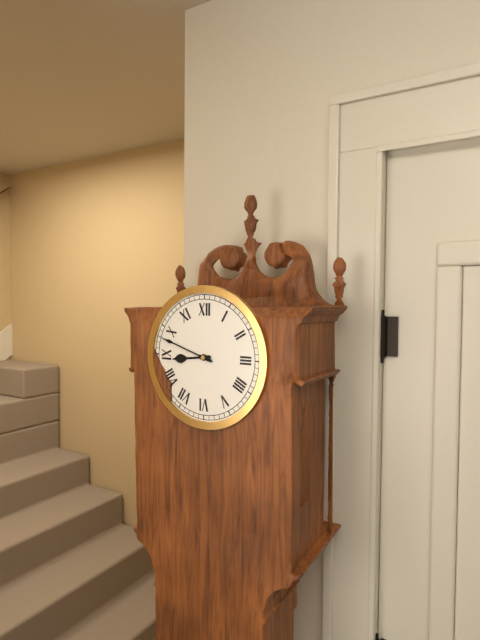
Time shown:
**8:48**
